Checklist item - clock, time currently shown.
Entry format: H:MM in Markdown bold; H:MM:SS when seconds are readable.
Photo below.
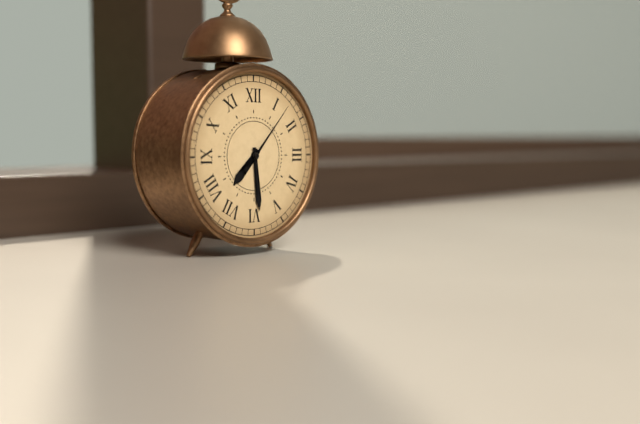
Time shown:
**7:29:07**
